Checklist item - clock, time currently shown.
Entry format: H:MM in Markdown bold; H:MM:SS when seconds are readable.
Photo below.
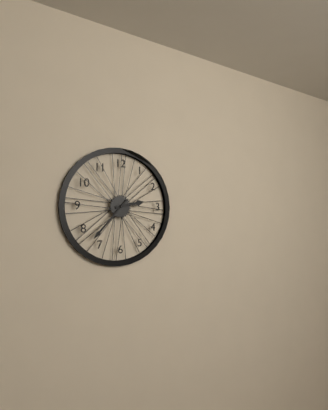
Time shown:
**2:37**
